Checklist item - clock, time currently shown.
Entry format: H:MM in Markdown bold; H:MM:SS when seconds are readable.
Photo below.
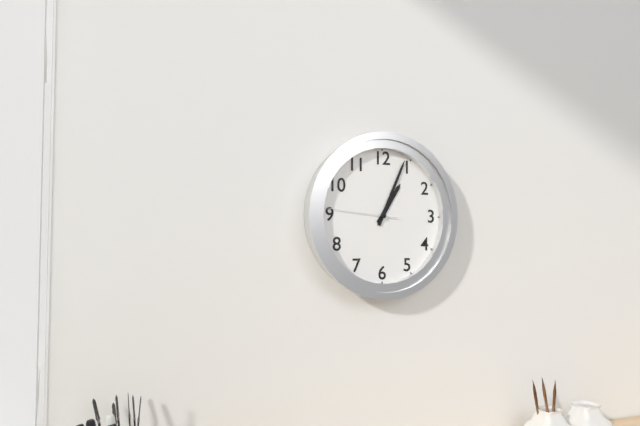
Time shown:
**1:04:46**
